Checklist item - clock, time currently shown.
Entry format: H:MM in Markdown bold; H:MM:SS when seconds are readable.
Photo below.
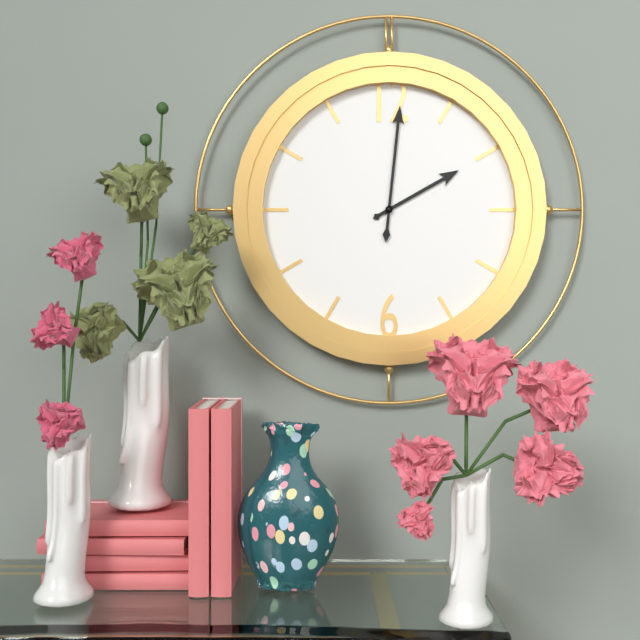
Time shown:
**2:01**
